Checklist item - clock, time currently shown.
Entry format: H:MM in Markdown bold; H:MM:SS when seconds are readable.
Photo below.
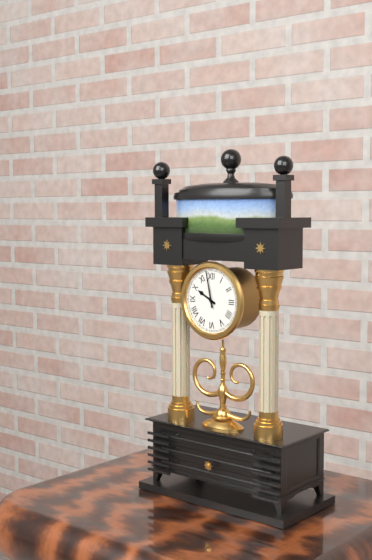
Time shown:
**9:58**
